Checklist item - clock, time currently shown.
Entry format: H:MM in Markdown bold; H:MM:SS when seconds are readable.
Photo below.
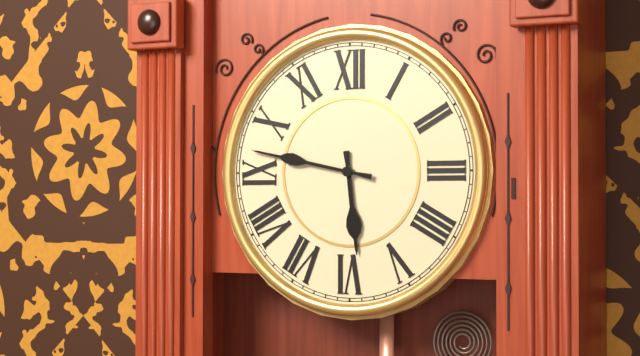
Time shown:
**5:47**
